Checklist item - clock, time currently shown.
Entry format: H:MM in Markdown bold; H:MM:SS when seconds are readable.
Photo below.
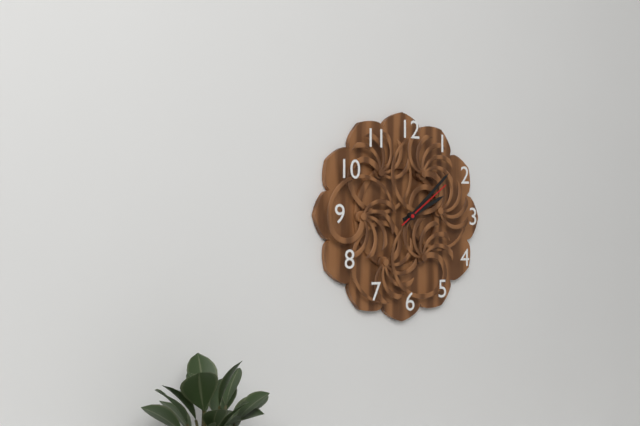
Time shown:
**2:08:09**
